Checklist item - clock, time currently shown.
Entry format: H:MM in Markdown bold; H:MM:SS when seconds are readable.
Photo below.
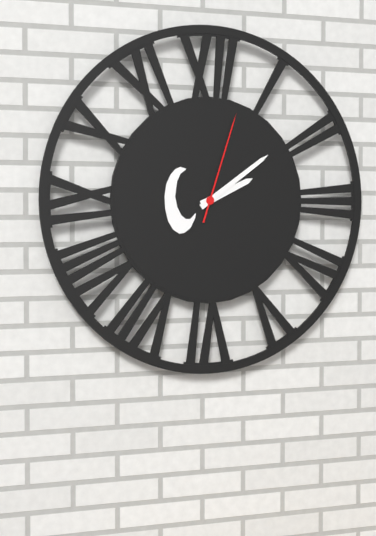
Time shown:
**2:09:03**
